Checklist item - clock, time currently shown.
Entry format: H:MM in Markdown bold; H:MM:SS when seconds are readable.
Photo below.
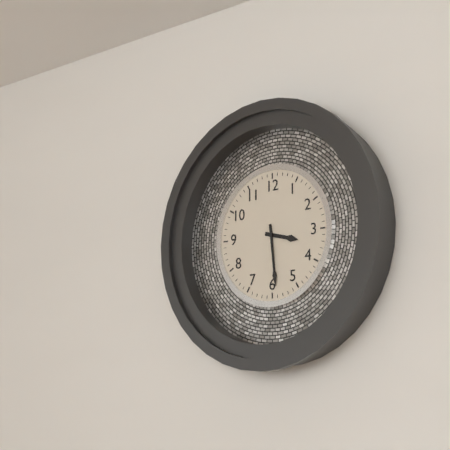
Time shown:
**3:29**
